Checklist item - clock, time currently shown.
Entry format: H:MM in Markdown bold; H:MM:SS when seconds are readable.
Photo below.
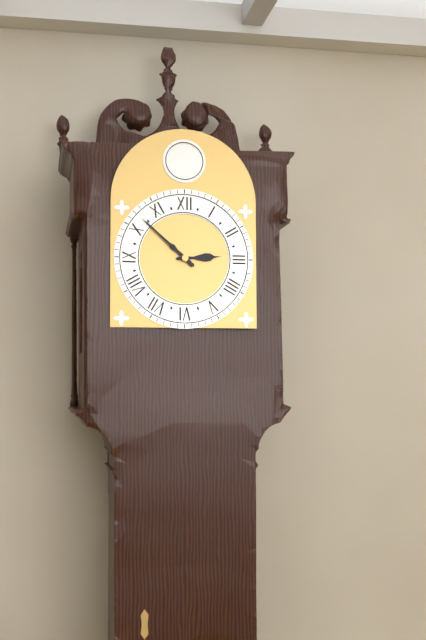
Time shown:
**2:52**
